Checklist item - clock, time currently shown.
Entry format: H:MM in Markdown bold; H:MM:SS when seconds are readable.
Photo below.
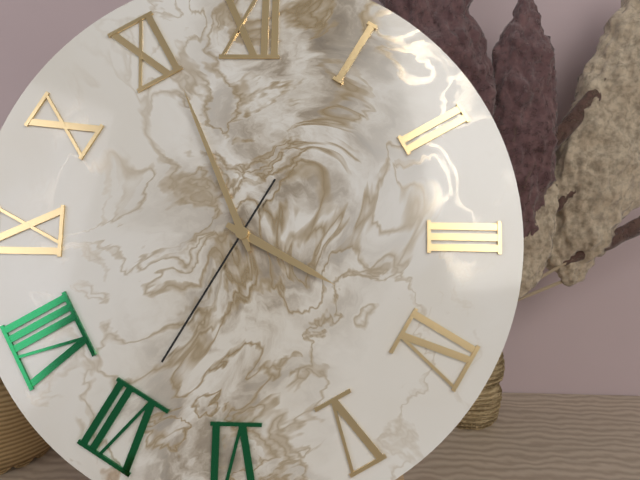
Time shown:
**3:56:35**
